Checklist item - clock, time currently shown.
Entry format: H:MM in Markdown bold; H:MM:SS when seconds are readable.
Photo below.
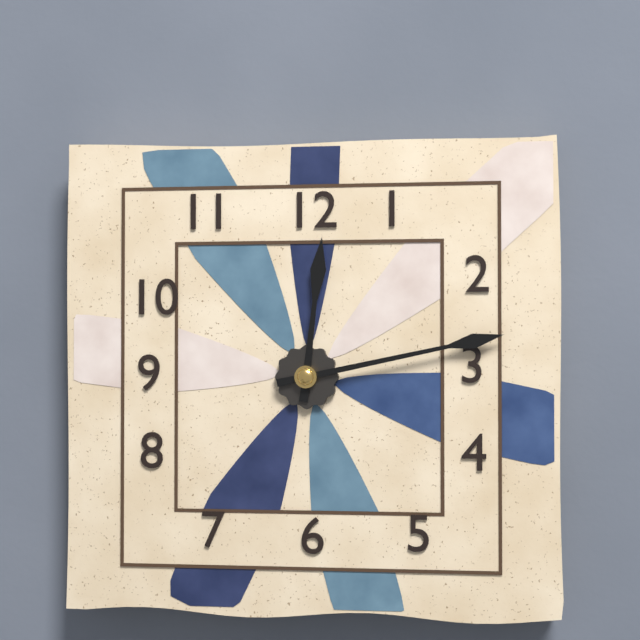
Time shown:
**12:13**
